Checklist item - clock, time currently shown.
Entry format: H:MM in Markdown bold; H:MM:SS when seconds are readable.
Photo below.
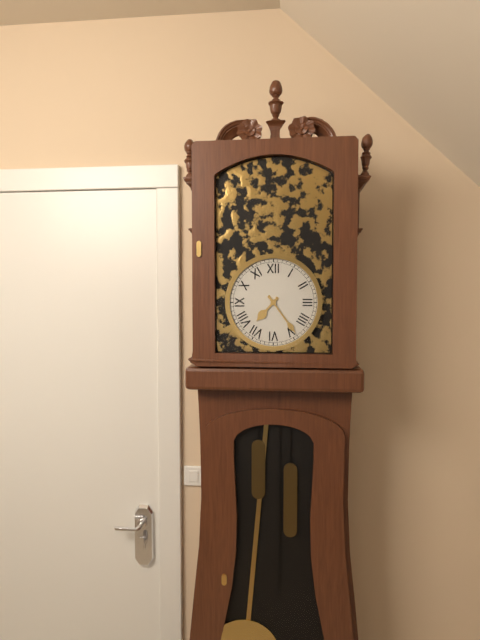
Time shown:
**7:24**
